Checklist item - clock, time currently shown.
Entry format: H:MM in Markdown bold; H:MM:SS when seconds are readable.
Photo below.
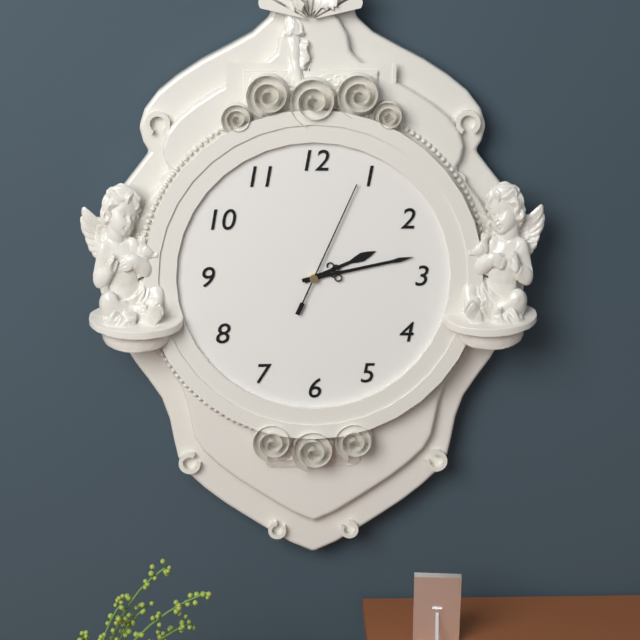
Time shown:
**2:13:04**
